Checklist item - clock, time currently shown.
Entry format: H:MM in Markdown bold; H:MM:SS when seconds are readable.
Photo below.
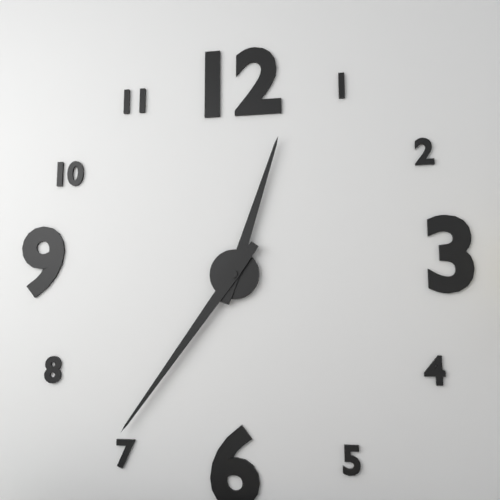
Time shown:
**12:36**
